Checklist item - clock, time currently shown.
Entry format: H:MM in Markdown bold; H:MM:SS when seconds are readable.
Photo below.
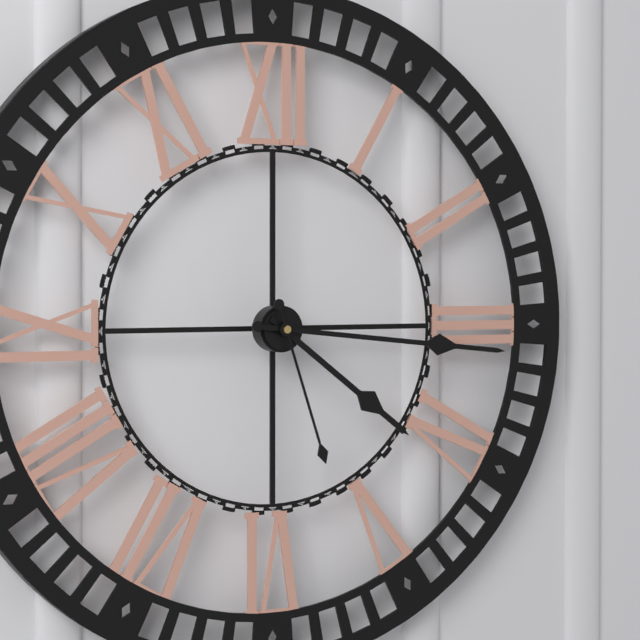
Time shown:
**4:16:27**
